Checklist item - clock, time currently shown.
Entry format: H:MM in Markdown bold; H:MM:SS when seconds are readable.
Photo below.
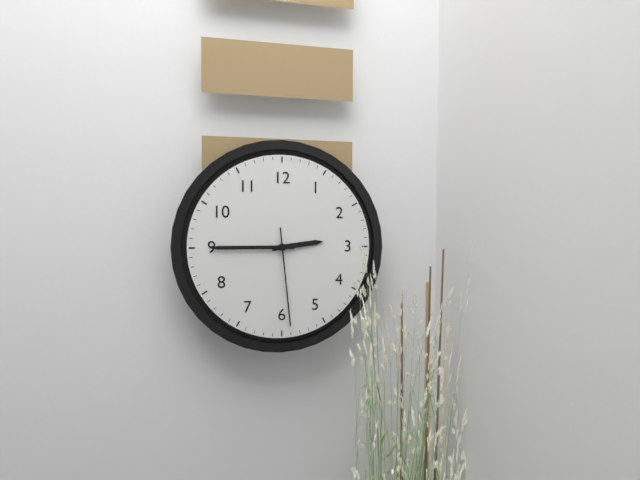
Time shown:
**2:45:29**
